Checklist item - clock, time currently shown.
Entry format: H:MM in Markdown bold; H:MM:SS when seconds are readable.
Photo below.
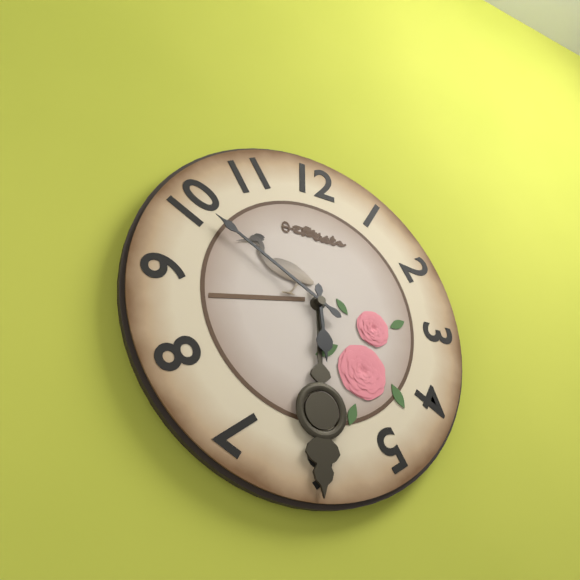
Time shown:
**5:50**
